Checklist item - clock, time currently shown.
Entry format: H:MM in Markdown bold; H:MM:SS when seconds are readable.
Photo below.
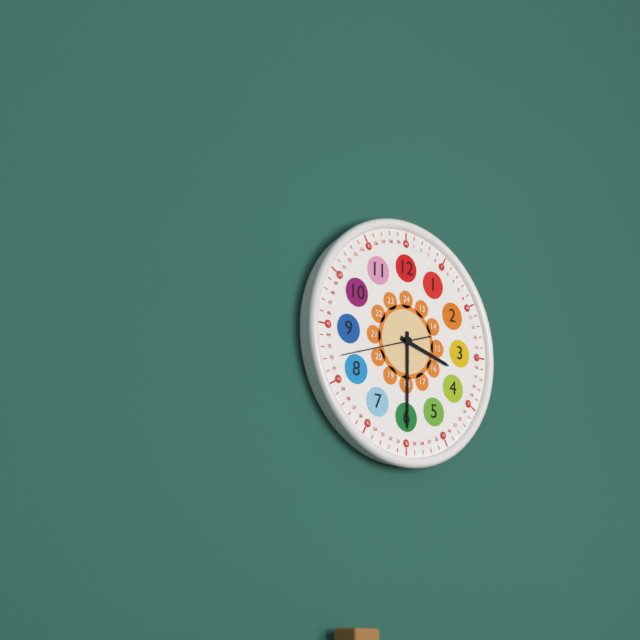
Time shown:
**3:30:42**
